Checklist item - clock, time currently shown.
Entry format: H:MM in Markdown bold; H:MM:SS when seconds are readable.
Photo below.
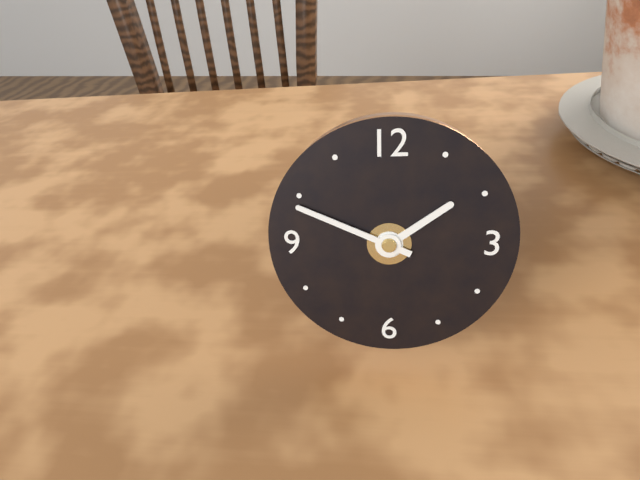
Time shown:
**1:49**
